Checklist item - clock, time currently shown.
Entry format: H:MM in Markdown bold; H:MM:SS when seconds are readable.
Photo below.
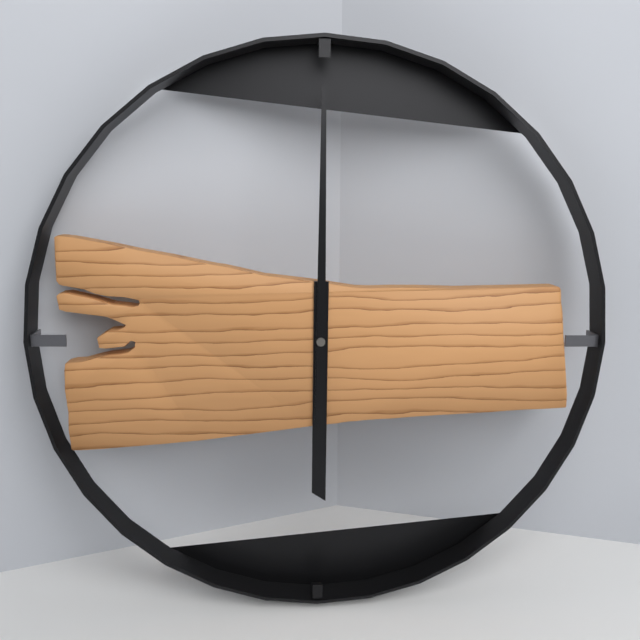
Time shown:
**6:00**
